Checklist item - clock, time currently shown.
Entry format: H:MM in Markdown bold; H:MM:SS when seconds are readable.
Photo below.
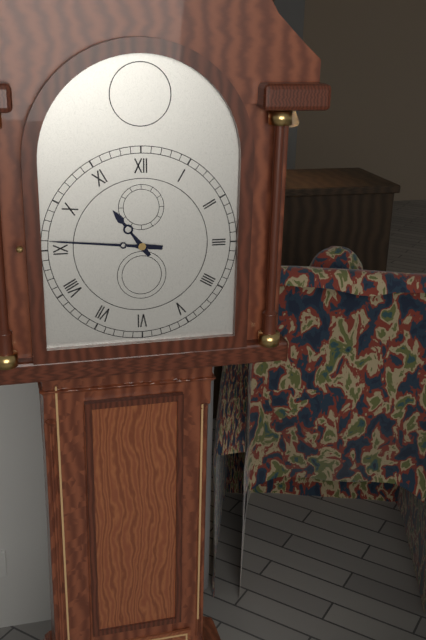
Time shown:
**10:46**
